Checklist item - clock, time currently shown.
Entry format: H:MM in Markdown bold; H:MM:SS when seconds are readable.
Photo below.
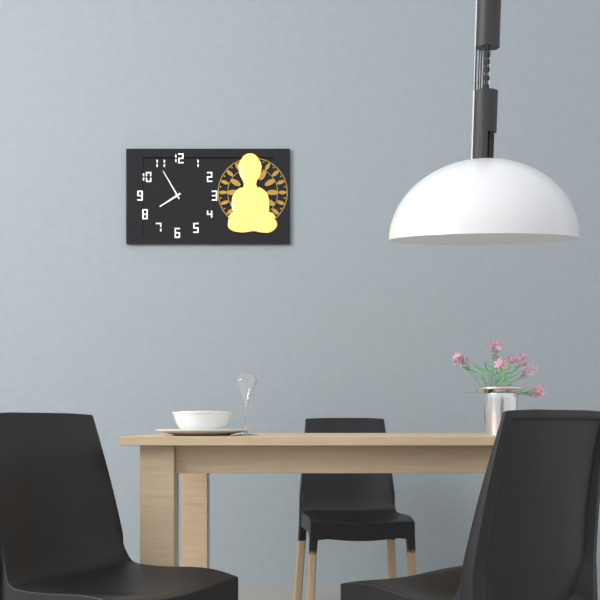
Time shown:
**7:55**
